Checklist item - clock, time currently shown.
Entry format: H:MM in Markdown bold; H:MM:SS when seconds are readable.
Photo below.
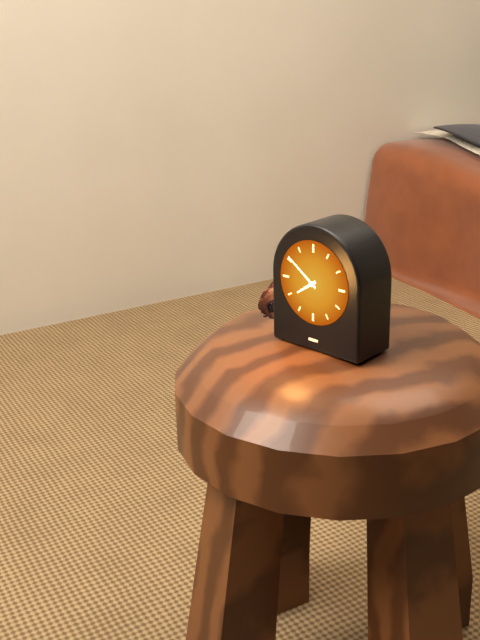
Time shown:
**7:51**
